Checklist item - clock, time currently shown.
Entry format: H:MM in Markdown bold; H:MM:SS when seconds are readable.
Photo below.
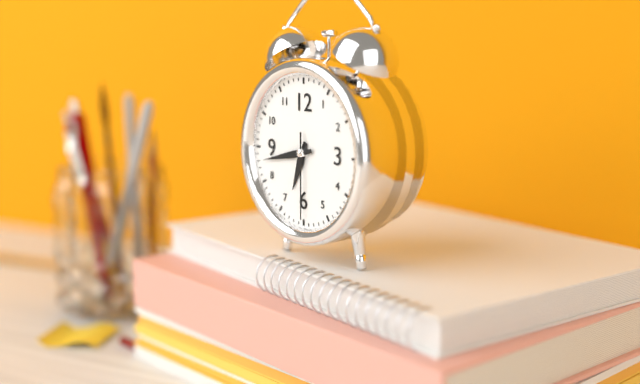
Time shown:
**6:43:30**
